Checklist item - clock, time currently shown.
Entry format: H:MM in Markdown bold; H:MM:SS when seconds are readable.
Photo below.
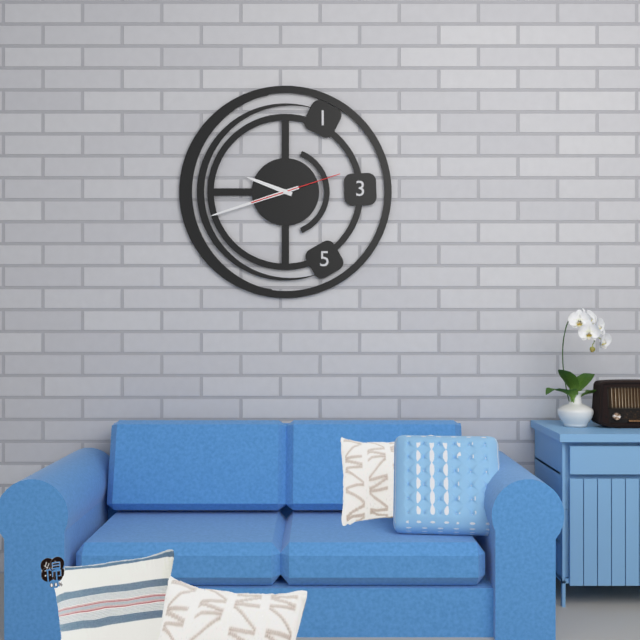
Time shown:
**9:42:12**
